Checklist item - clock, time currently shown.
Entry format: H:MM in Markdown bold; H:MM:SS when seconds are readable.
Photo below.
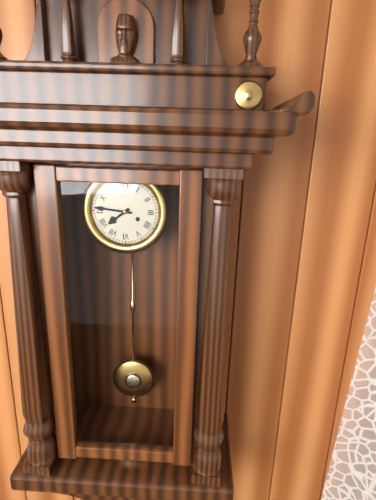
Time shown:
**7:46**
